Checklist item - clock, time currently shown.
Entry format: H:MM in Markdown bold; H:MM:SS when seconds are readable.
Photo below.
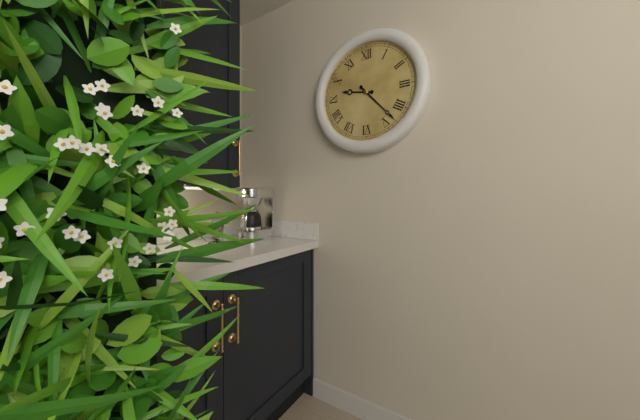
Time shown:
**9:23**
